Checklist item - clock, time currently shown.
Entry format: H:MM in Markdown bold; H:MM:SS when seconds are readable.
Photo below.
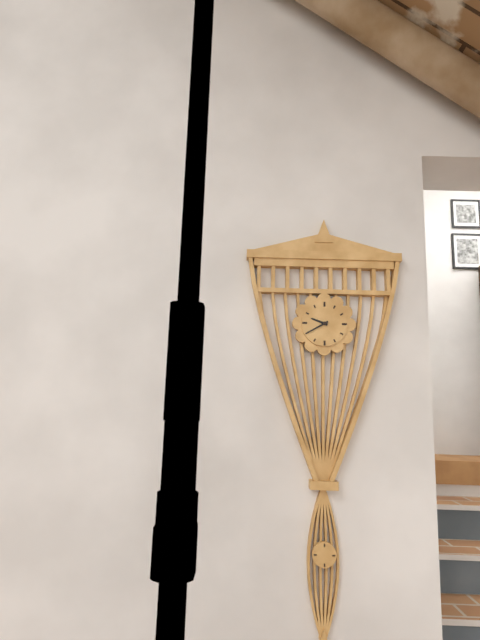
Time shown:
**9:40**
